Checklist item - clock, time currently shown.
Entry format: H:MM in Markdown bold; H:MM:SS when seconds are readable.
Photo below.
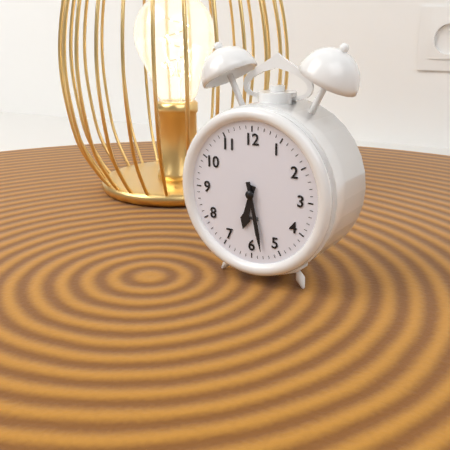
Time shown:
**6:28**
